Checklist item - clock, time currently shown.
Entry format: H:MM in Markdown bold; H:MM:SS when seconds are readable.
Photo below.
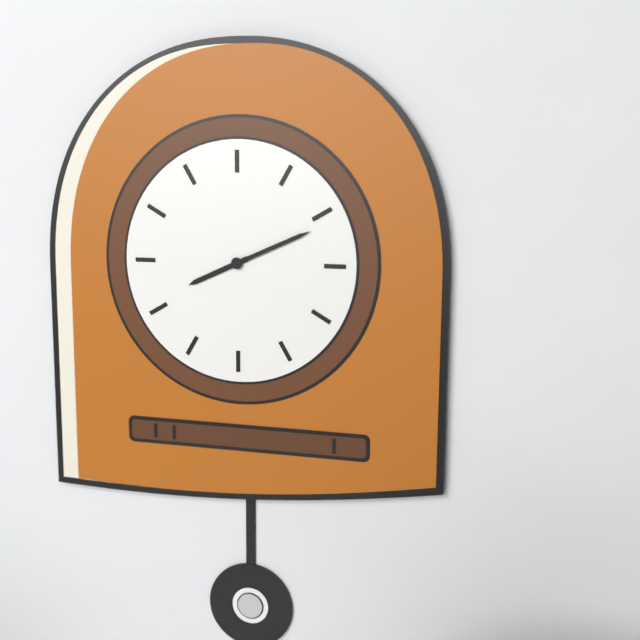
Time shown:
**8:11**
